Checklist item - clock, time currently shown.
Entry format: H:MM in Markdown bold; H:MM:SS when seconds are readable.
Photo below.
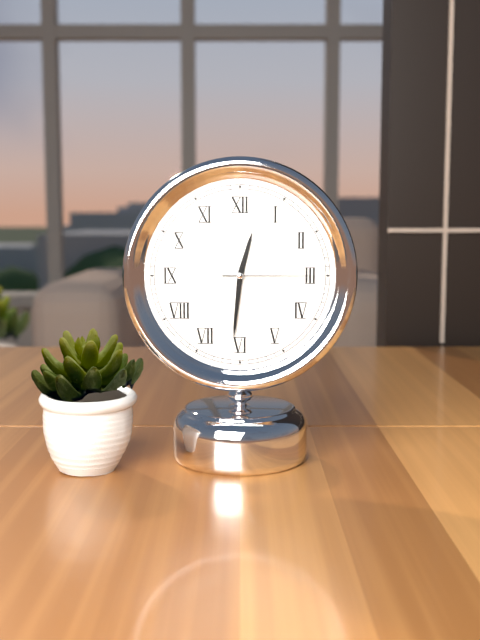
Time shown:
**12:31:15**
